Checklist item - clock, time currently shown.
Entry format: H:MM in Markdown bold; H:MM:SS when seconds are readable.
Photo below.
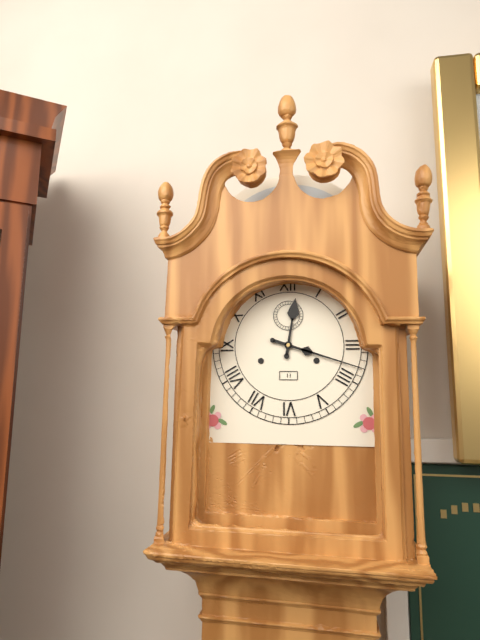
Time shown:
**12:18**
